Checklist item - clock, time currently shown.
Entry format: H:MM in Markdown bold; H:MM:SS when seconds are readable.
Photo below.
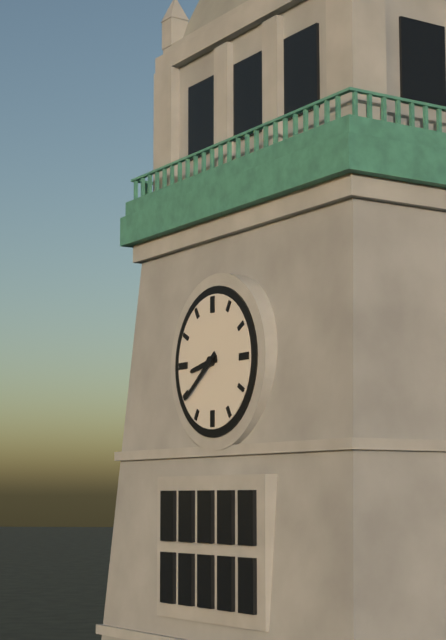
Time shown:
**8:39**
